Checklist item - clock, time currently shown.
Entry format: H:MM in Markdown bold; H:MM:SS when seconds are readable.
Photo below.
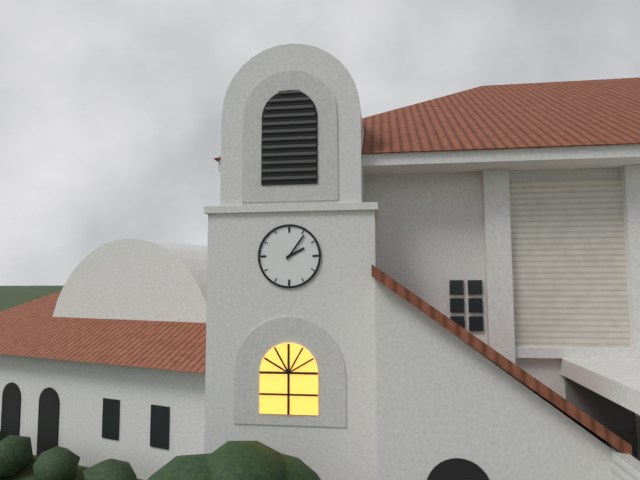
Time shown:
**2:06**
